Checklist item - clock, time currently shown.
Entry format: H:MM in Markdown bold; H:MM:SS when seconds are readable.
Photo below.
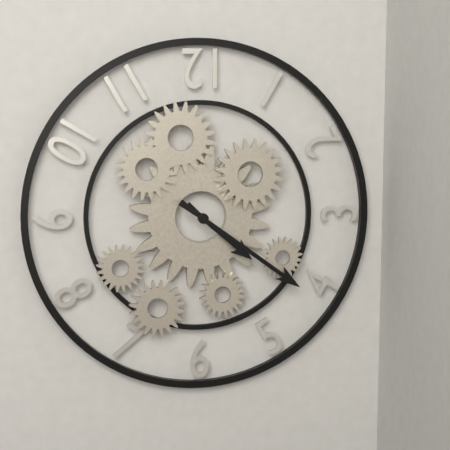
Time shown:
**4:21**
